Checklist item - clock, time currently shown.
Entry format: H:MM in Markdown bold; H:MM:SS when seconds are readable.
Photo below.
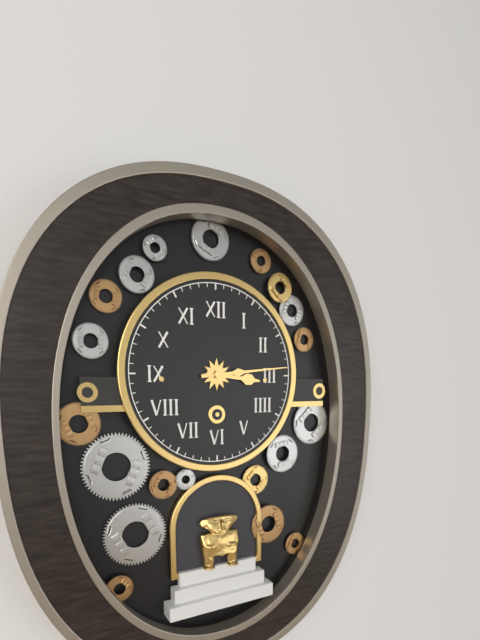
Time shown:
**3:14**
